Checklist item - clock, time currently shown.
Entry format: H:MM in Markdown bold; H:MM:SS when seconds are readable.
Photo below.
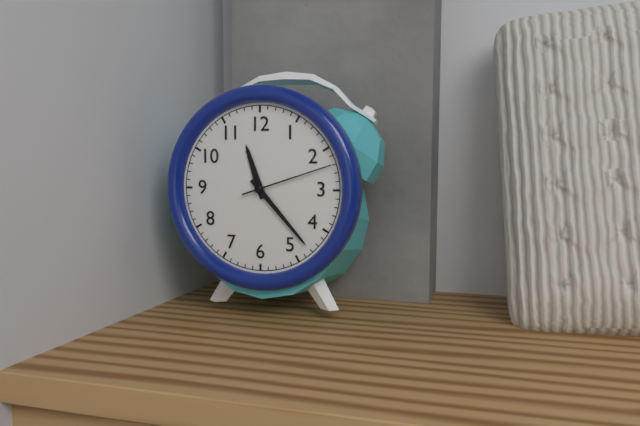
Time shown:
**11:23:12**
